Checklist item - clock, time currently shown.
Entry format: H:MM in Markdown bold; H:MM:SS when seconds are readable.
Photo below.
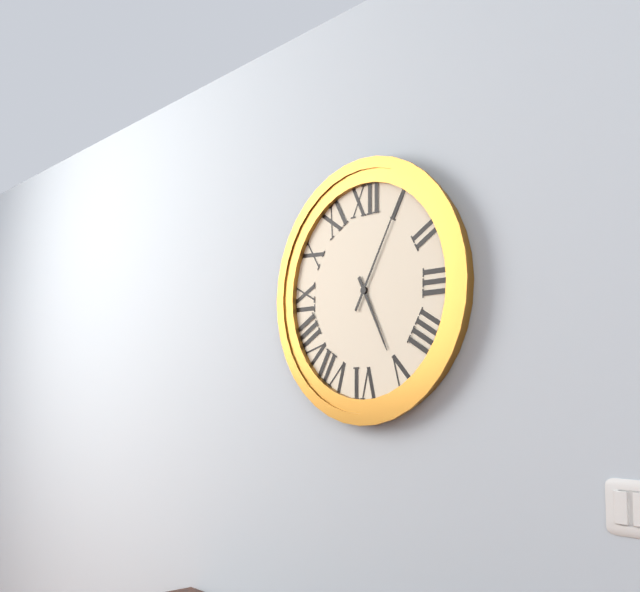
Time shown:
**5:05**
